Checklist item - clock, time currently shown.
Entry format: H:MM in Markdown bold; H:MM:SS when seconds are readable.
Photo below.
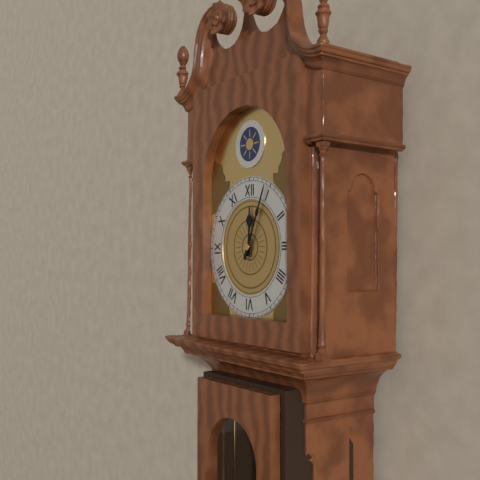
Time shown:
**12:04**
